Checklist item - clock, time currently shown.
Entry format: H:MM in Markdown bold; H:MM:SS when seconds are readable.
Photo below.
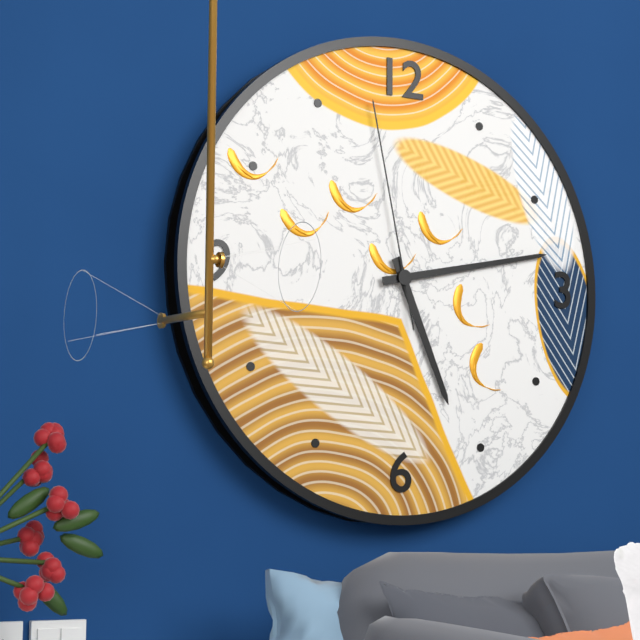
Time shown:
**5:13:58**
